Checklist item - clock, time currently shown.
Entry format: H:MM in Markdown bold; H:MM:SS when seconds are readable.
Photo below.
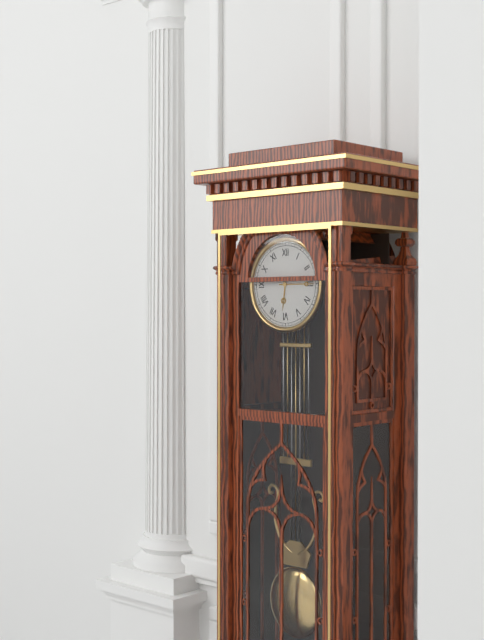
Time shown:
**6:15**
